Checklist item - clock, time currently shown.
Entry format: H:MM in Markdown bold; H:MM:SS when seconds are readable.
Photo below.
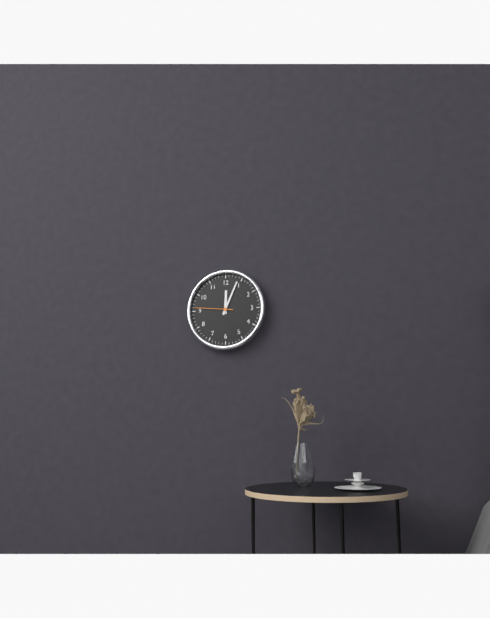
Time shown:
**12:04**
